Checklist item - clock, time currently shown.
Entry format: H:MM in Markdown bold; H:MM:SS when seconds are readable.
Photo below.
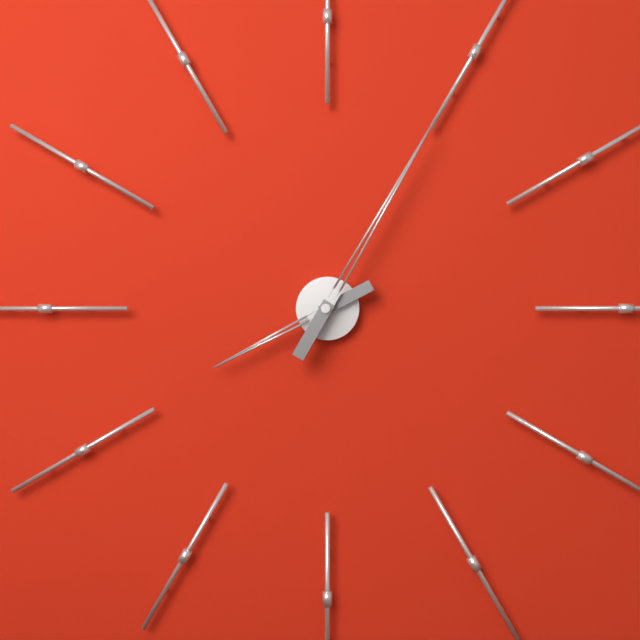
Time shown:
**8:05**
